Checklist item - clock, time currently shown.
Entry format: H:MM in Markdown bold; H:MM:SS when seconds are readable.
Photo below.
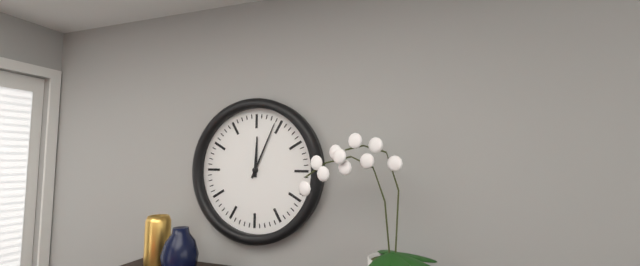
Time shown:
**12:04**
